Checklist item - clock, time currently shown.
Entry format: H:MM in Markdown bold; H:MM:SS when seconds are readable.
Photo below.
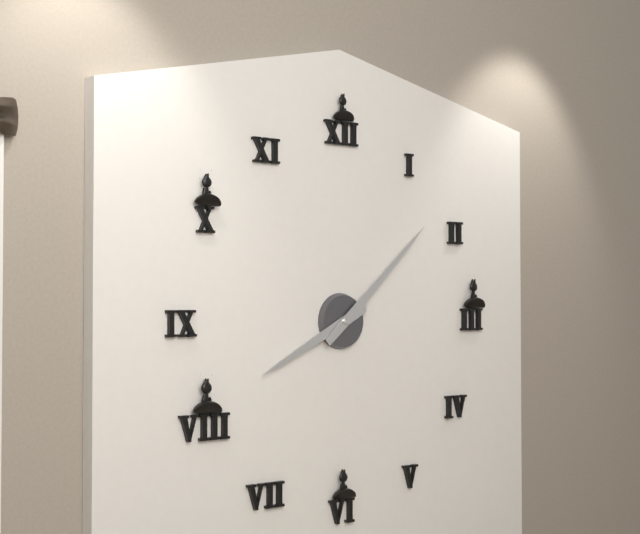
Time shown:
**8:08**
